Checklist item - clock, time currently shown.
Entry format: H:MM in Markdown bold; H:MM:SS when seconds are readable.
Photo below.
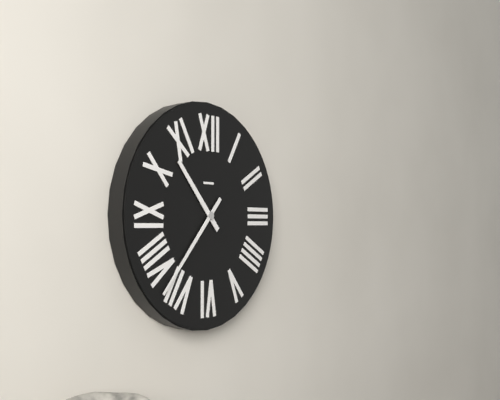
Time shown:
**10:37**
